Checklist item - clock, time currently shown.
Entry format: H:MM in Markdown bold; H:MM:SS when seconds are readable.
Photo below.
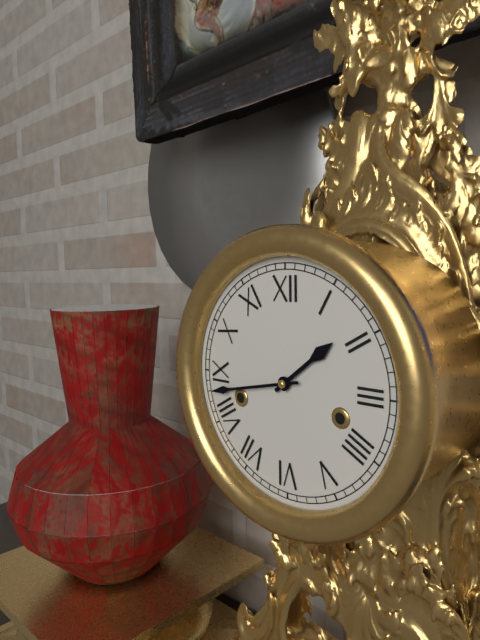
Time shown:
**1:43**
